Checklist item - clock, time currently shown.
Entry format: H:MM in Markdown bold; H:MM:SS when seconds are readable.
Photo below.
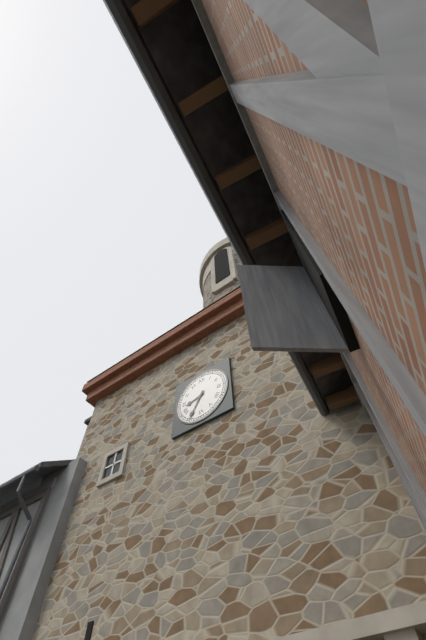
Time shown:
**8:35**
